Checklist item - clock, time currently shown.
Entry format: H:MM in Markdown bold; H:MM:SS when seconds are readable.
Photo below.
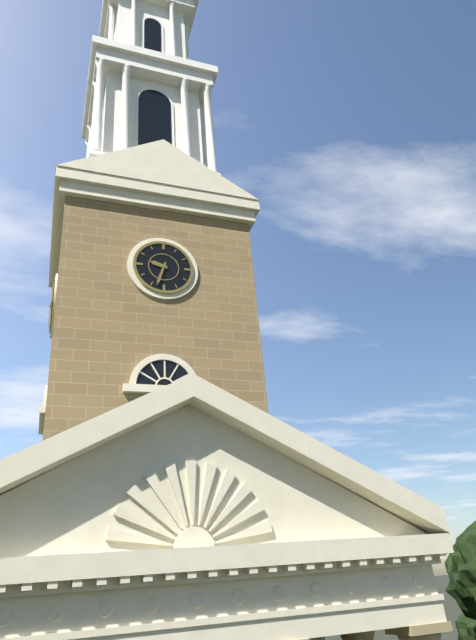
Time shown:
**9:33**
